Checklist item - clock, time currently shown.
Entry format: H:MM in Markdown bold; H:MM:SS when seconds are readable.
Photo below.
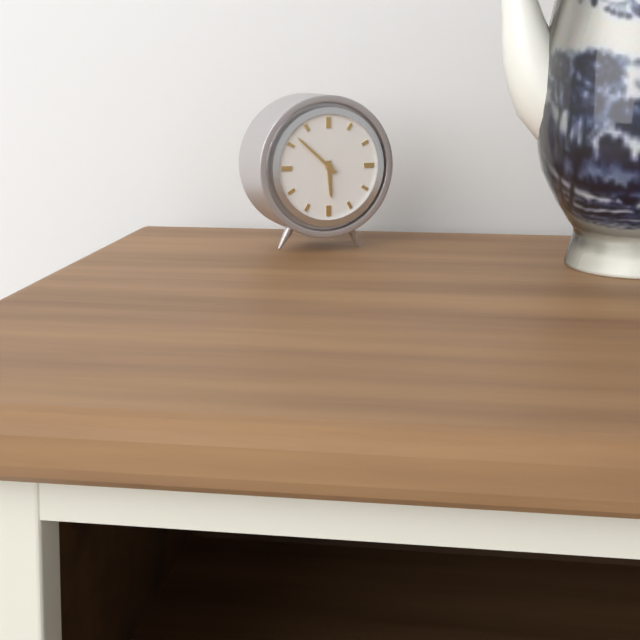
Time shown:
**5:52**
